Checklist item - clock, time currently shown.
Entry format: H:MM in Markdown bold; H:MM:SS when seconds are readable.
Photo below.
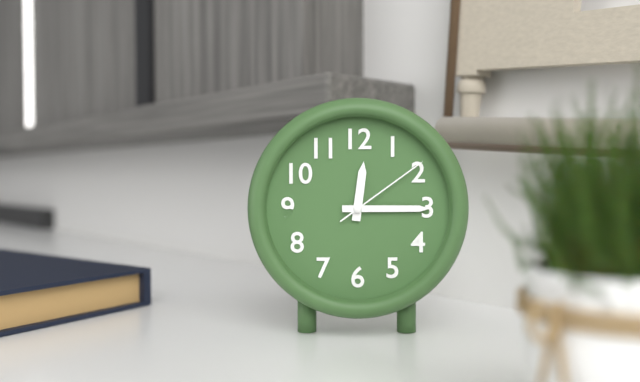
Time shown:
**12:15:09**
